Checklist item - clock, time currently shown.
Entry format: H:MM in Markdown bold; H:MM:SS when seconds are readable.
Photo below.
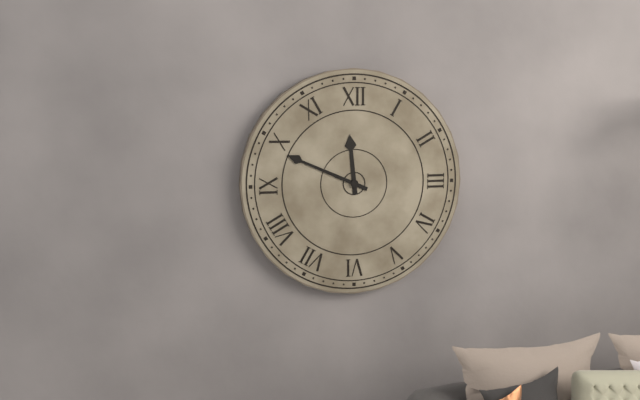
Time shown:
**11:49**
